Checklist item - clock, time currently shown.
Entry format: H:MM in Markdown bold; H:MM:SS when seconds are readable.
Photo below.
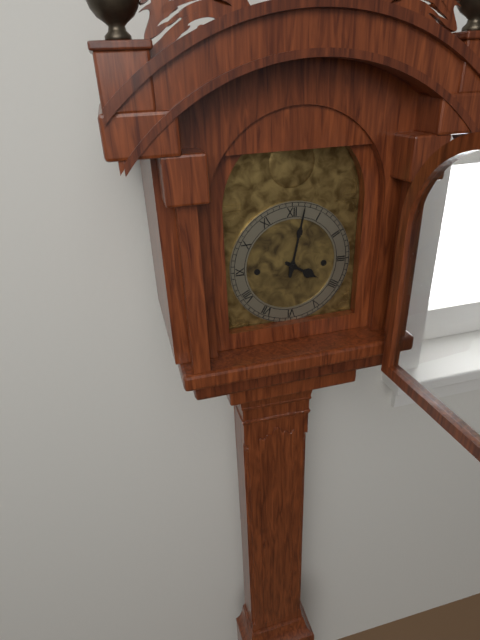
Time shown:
**4:02**
